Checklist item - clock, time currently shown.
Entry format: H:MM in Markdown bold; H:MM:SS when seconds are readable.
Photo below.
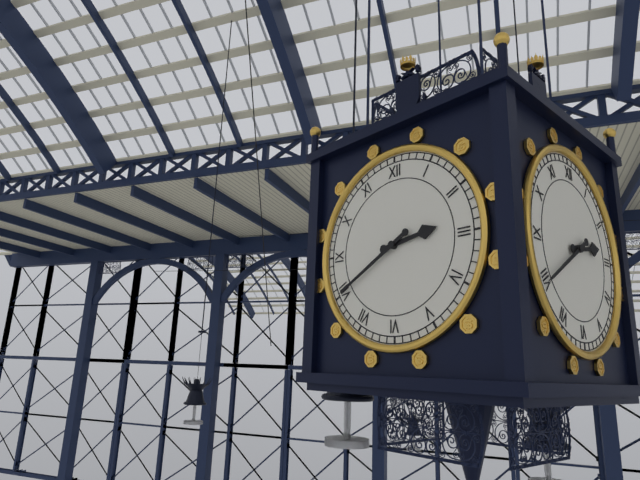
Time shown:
**2:40**
